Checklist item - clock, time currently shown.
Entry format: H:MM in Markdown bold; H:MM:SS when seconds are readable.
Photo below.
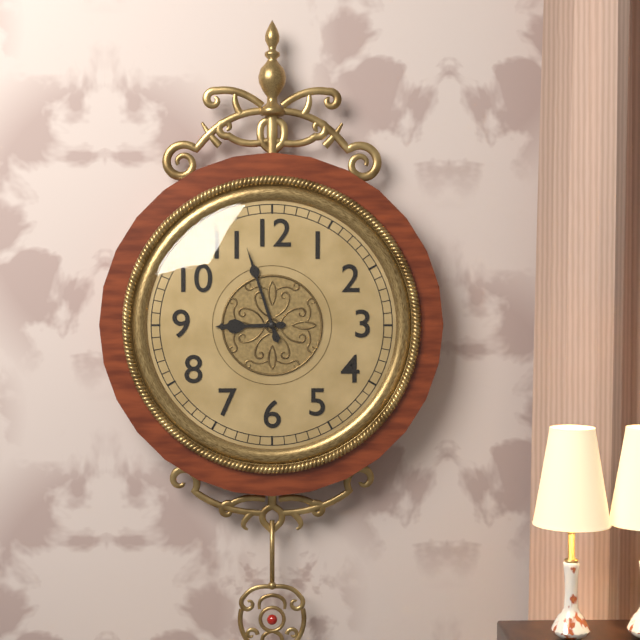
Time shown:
**8:57**
